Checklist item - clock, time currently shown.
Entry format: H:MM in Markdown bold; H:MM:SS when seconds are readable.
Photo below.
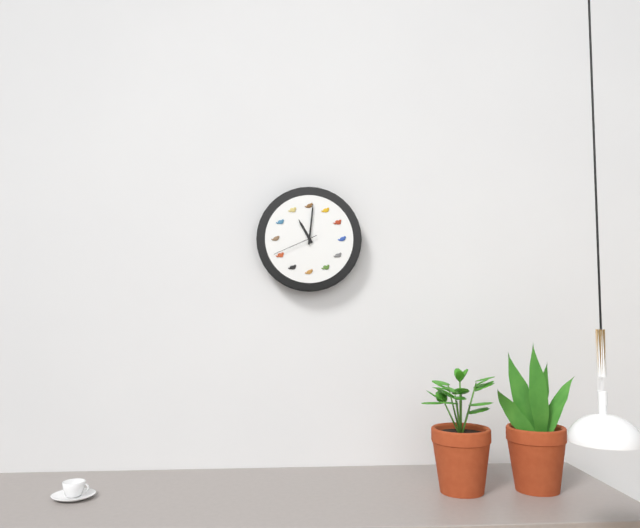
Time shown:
**11:01**
